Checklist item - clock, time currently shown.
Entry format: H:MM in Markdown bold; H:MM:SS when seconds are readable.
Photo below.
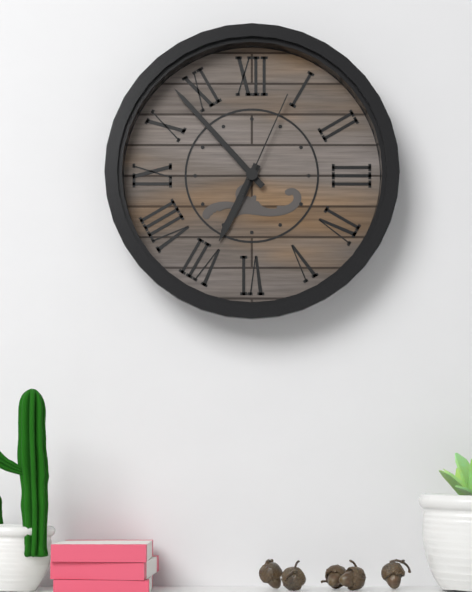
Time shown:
**6:53:04**
